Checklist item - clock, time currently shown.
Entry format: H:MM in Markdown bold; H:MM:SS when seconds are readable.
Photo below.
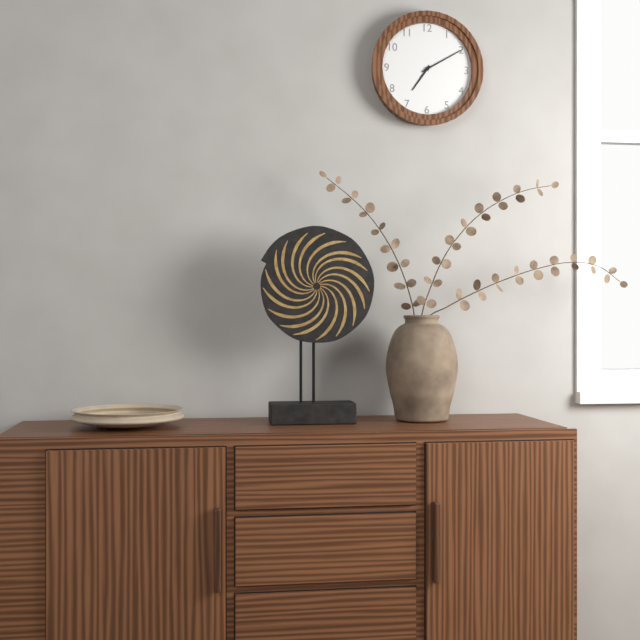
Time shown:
**7:10**
